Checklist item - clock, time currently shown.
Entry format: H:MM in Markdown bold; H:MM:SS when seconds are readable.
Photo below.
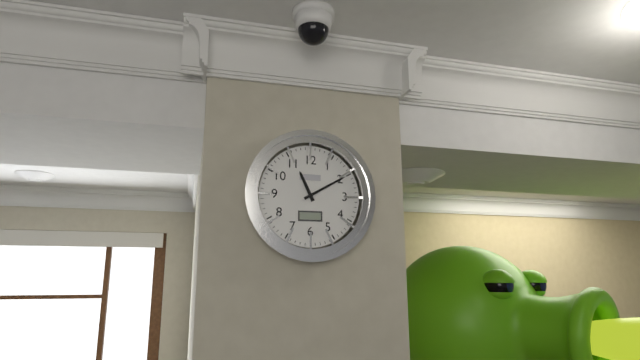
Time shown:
**11:10**
